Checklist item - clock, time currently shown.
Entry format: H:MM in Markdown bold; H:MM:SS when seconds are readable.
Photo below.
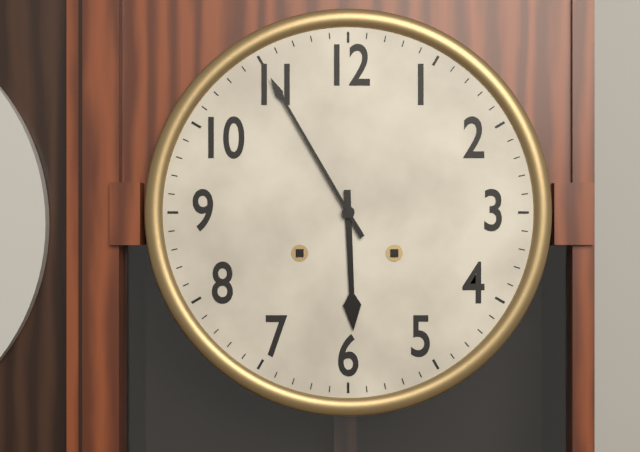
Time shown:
**5:55**
